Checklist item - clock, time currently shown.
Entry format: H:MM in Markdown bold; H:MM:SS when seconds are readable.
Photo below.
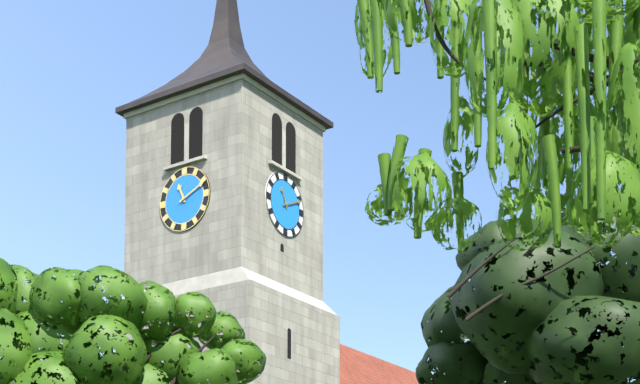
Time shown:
**11:11**
